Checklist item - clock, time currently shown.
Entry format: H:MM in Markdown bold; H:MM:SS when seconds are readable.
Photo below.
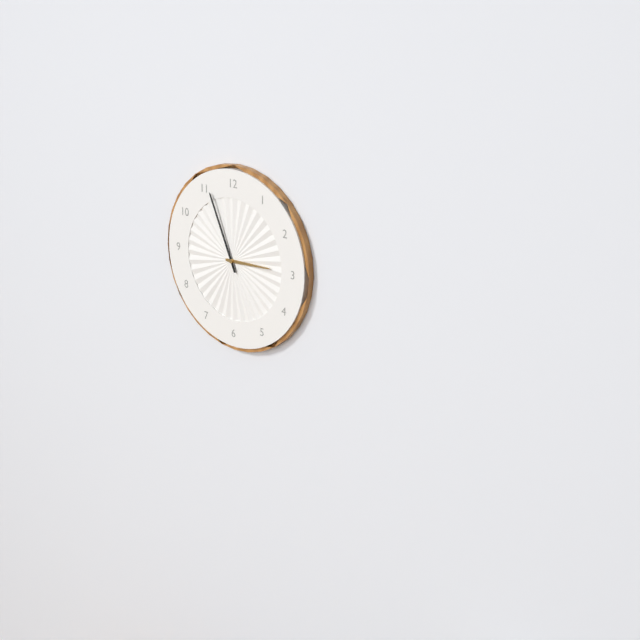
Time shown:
**2:56**
